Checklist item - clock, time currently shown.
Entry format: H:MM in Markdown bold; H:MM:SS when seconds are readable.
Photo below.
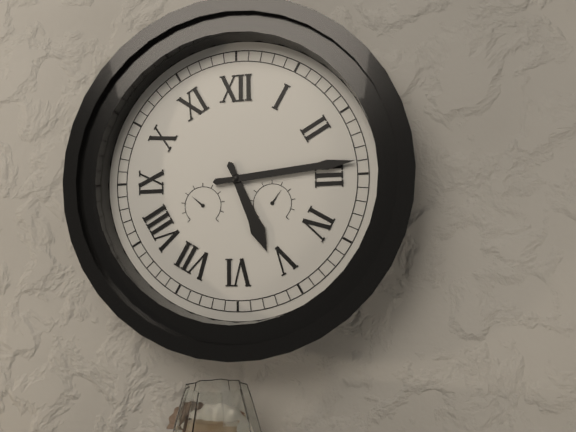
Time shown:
**5:14**
